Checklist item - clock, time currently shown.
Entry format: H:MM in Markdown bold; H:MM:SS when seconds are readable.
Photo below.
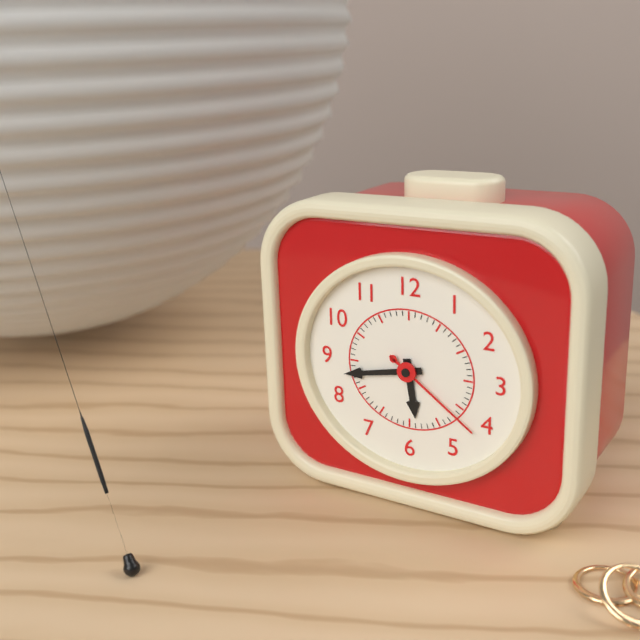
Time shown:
**5:43:21**
